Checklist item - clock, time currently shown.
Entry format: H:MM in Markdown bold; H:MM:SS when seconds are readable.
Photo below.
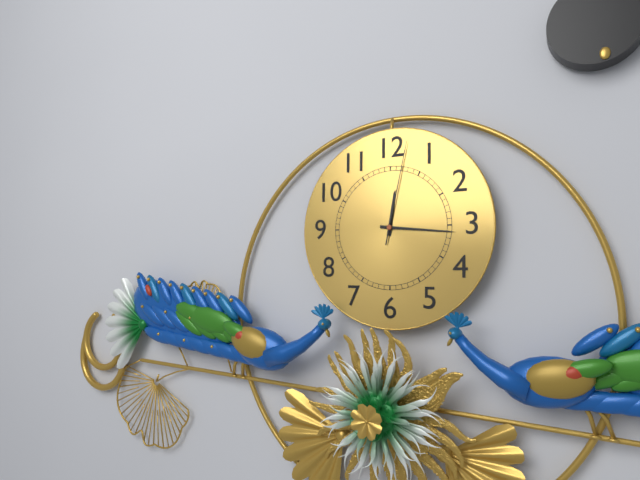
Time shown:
**12:16:02**
